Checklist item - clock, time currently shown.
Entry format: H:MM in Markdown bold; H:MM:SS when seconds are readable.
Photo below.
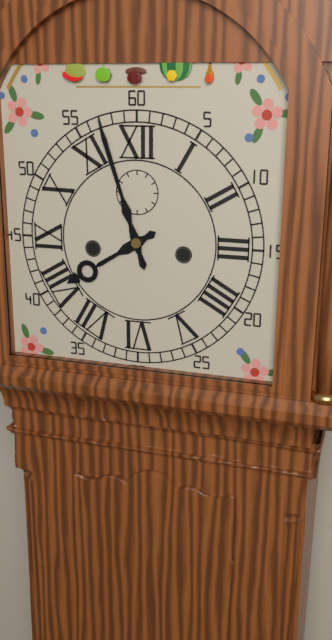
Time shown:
**7:57**
